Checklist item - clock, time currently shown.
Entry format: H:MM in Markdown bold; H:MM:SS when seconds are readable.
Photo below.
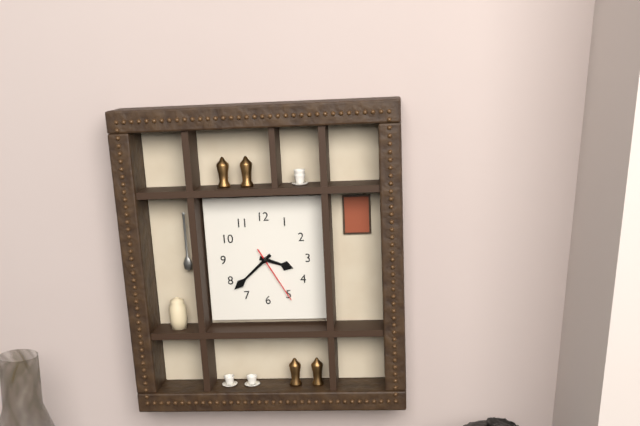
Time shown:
**3:38:25**
